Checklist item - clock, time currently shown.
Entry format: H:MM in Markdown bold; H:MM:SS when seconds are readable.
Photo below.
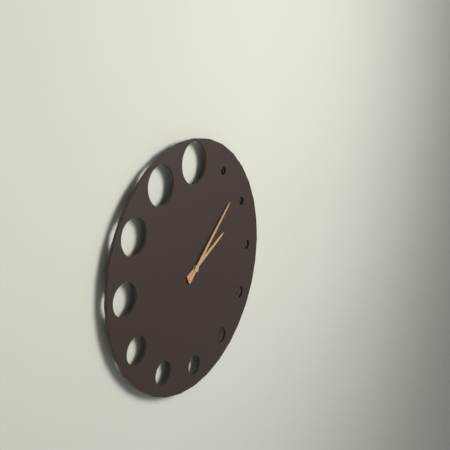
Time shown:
**2:08**
